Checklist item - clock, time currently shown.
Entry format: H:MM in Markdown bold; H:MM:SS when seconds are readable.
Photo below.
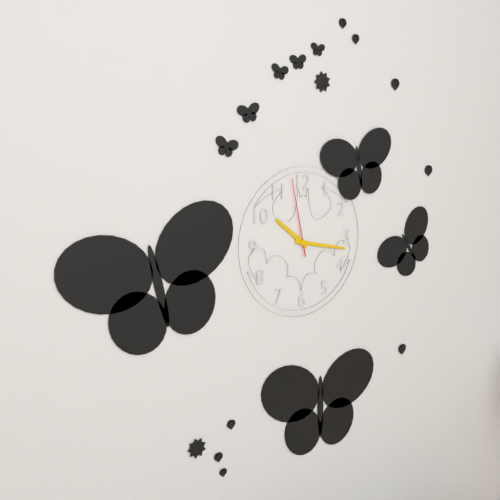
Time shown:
**10:17:58**
